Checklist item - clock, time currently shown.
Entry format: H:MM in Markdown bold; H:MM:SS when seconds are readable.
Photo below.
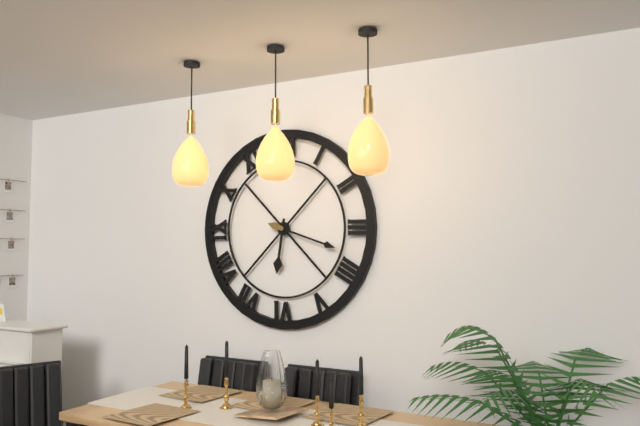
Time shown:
**6:18**
